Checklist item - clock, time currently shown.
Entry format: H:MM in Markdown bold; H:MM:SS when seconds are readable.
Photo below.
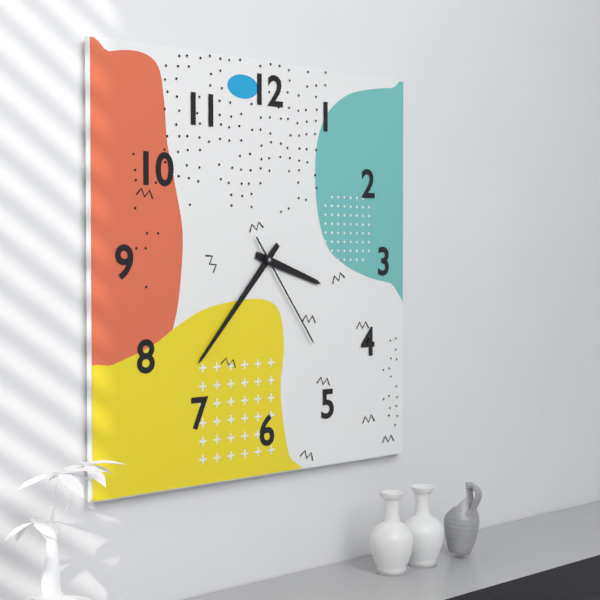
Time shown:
**3:37:24**
